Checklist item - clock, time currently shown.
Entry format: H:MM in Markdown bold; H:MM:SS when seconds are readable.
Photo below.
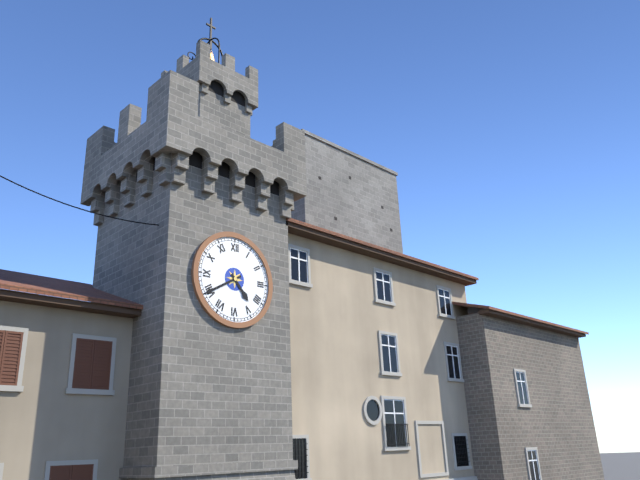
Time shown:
**4:40**
